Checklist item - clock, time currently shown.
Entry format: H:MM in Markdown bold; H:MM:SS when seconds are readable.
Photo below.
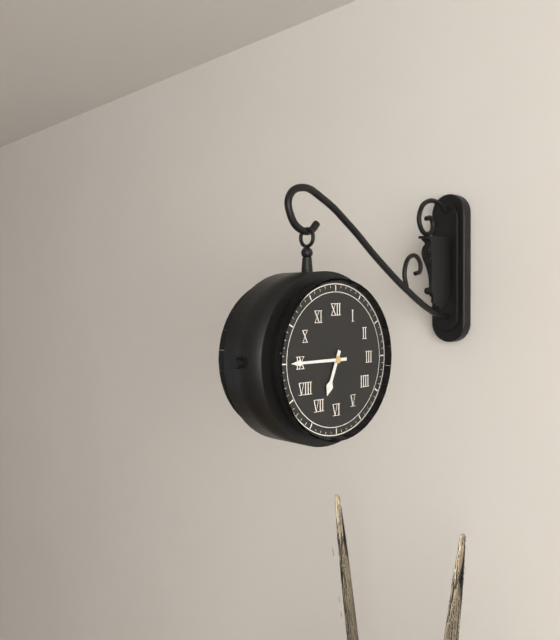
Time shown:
**6:45**
